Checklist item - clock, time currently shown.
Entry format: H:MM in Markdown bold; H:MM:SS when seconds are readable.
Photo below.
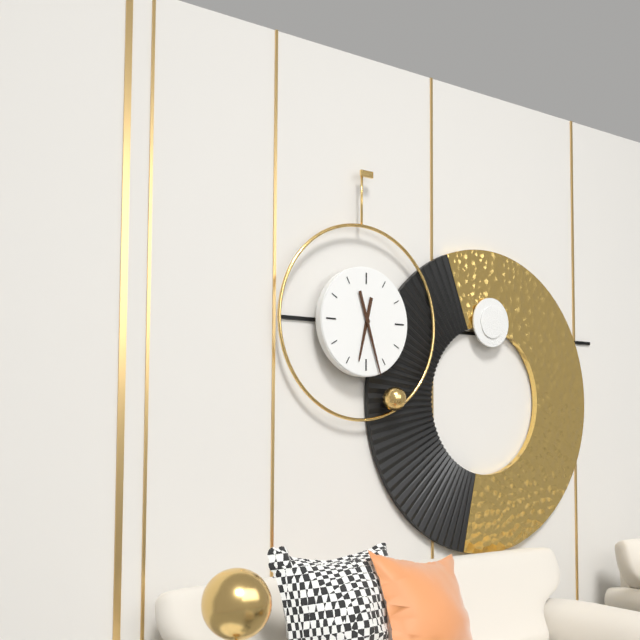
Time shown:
**6:27**
